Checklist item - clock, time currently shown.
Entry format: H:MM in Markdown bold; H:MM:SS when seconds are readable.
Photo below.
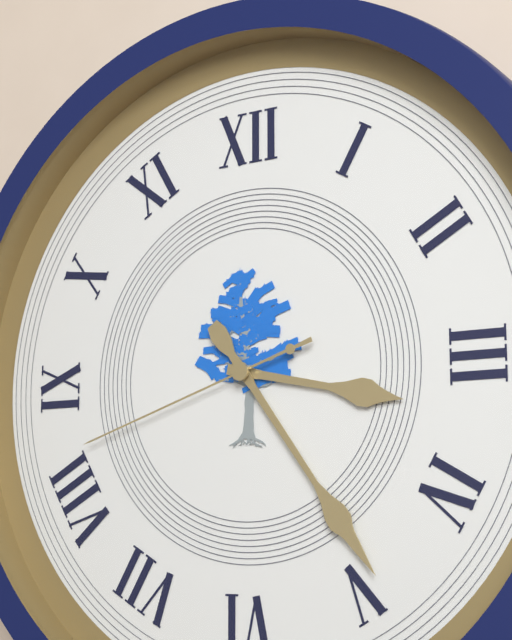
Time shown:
**3:24:42**
